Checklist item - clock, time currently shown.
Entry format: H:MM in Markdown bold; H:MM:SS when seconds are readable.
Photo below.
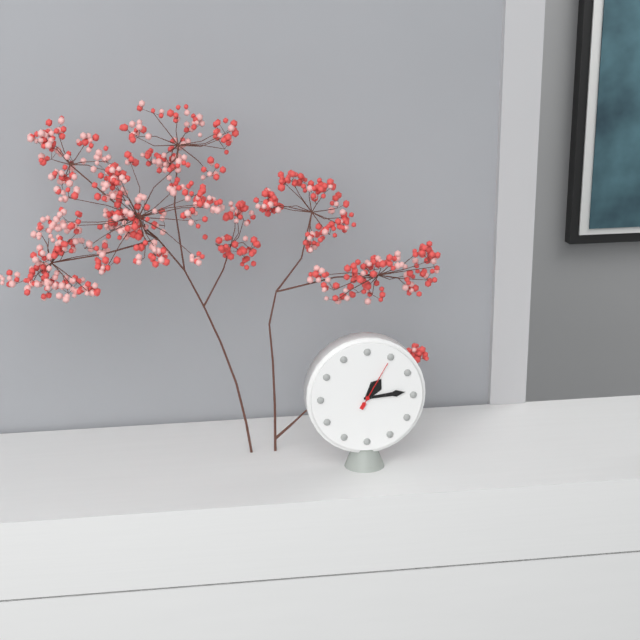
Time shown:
**1:14:05**
